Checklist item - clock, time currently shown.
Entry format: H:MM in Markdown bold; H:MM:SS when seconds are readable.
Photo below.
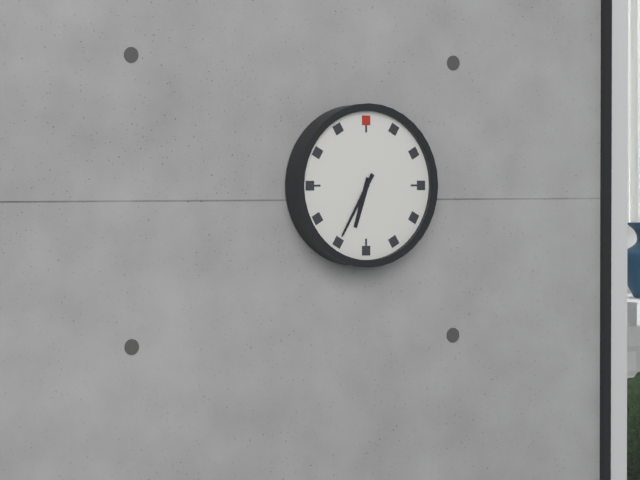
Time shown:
**6:35**
